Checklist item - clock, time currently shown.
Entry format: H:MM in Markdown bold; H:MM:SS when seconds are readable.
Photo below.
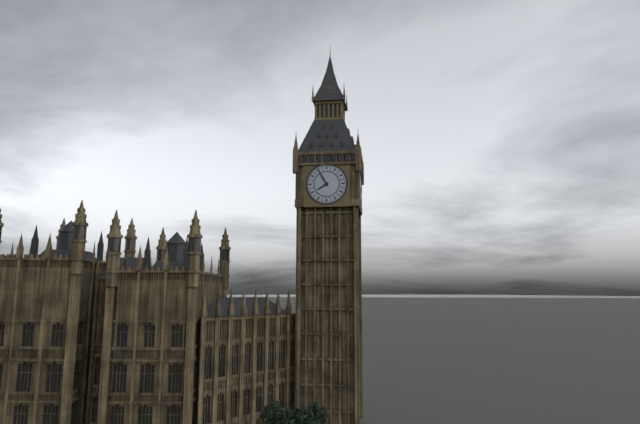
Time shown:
**7:55**
